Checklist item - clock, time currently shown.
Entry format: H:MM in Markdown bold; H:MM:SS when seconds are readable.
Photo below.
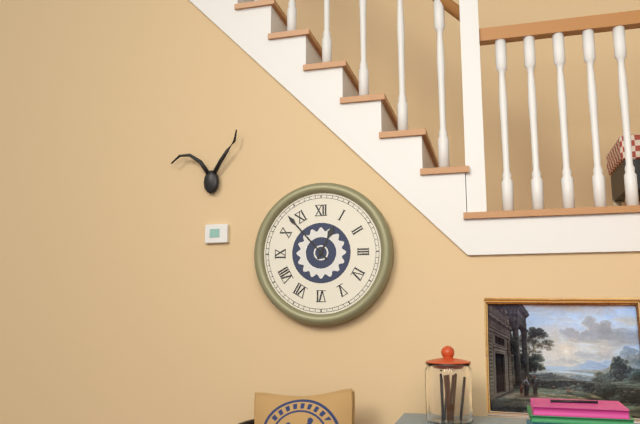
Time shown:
**12:53**
